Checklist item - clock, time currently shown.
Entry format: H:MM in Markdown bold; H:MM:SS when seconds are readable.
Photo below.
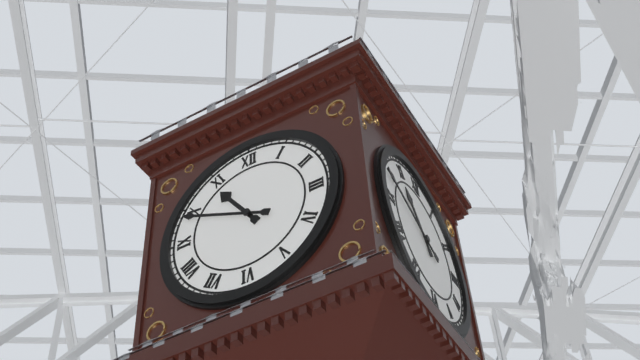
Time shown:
**10:49**
